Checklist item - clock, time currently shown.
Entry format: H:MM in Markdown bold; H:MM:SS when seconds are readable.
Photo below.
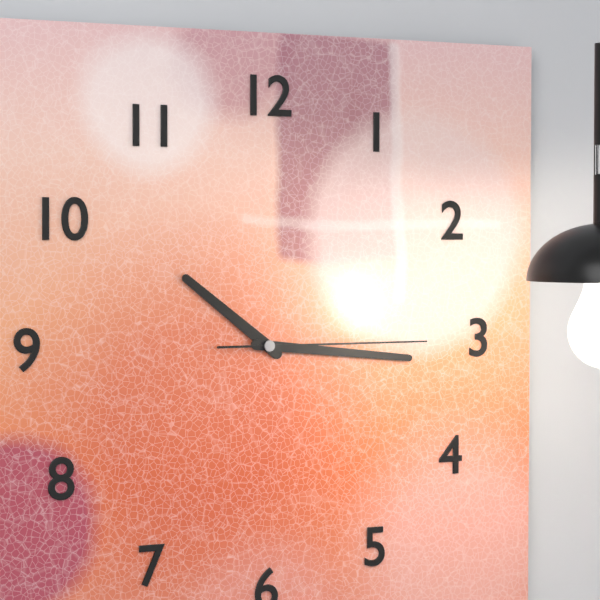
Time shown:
**10:16:15**
